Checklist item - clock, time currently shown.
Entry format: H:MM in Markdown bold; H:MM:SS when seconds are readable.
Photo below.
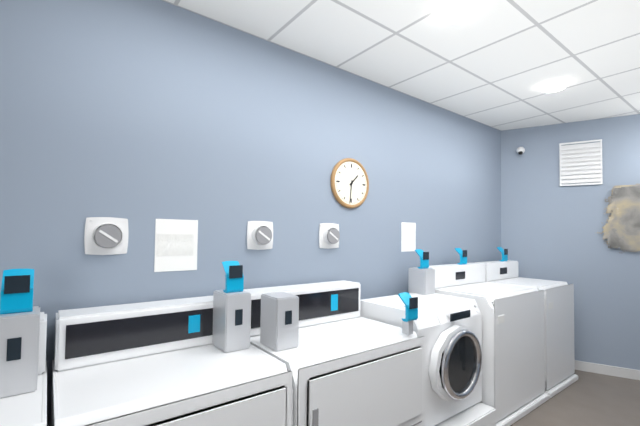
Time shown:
**1:31**
